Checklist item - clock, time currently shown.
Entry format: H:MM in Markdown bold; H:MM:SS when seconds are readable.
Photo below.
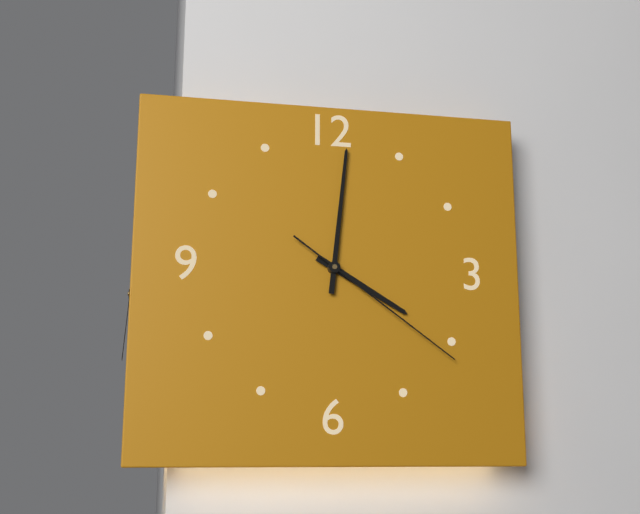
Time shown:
**4:01:21**
